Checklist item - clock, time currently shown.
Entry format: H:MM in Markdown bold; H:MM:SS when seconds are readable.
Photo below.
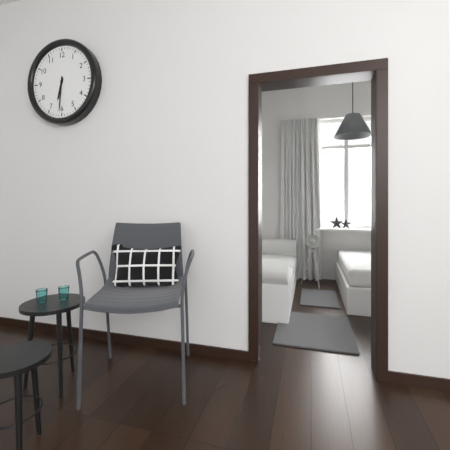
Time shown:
**6:31**
